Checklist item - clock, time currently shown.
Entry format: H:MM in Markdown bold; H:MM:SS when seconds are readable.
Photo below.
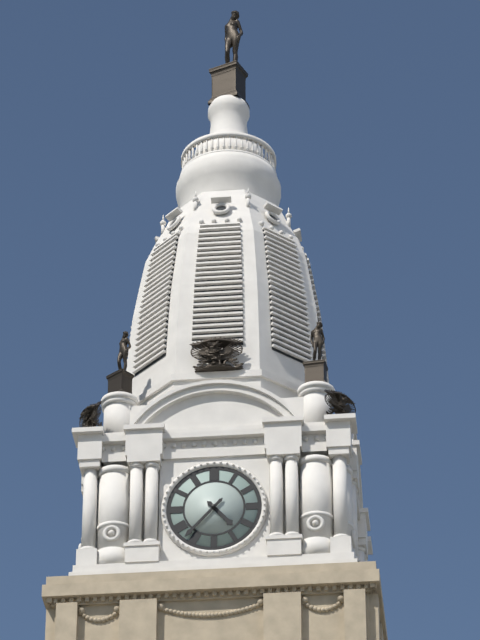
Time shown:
**4:37**
